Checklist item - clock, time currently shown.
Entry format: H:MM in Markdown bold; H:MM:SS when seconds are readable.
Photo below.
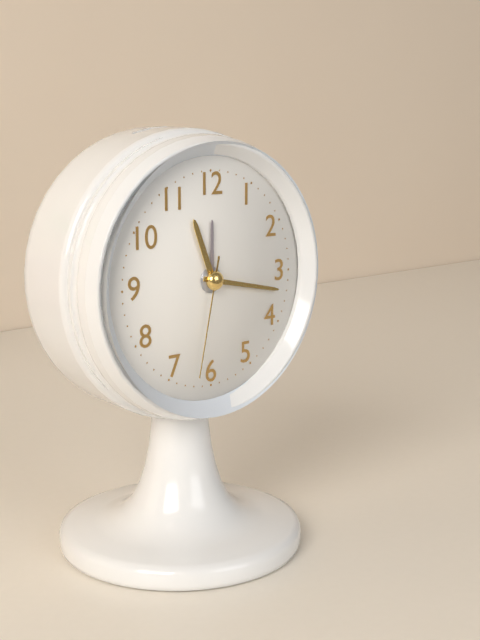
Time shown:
**11:17:32**
